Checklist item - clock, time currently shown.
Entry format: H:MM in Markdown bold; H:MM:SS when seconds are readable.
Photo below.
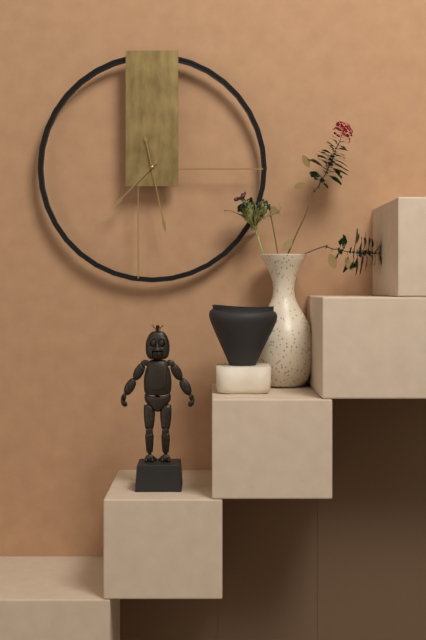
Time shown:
**7:28**
